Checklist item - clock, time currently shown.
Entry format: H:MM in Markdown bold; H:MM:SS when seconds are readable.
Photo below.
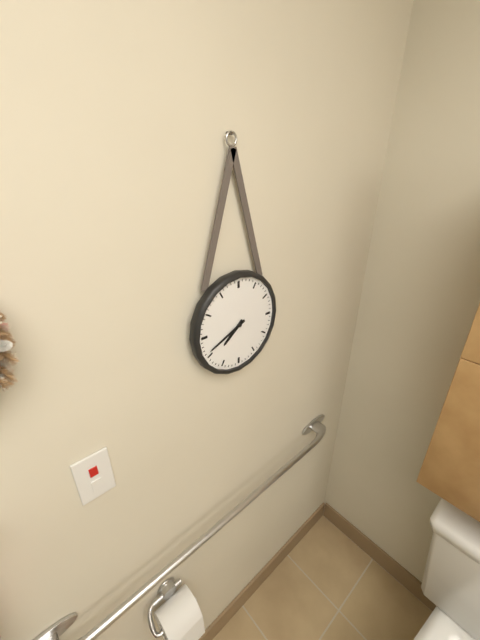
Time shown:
**7:41**
